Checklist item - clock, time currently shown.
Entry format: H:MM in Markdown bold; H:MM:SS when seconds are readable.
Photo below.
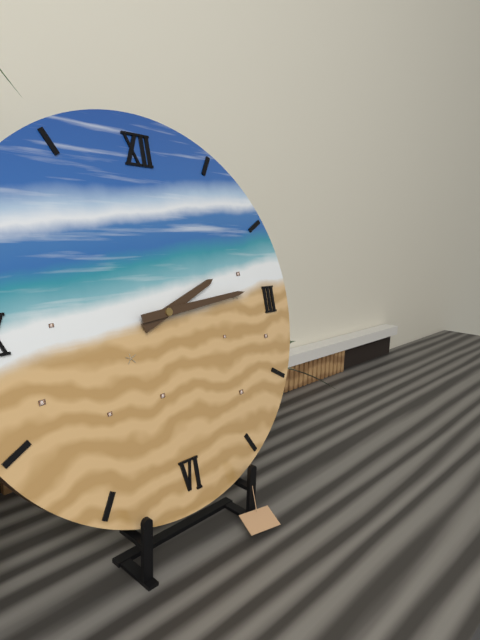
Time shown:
**2:14**
